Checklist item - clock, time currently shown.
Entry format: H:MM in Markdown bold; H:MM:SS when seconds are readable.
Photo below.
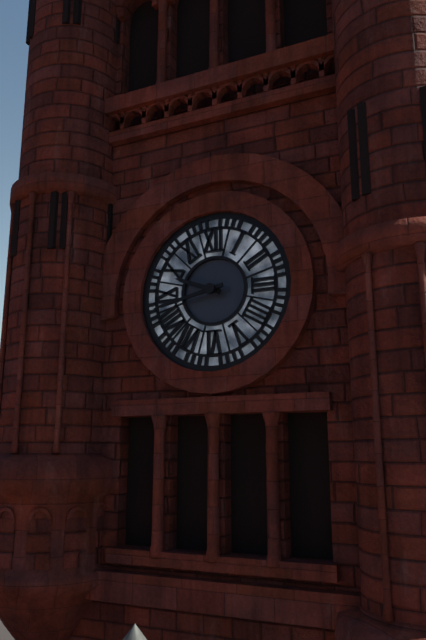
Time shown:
**9:43**
